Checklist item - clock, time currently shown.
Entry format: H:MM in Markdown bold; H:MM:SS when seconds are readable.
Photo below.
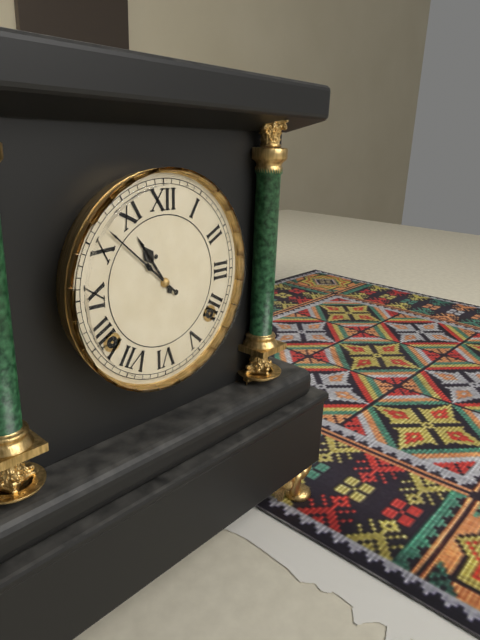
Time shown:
**10:52**
